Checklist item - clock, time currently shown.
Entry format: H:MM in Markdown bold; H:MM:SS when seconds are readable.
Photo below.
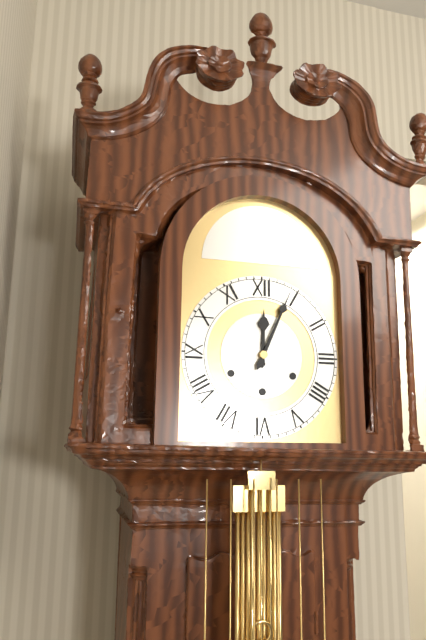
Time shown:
**12:04**
